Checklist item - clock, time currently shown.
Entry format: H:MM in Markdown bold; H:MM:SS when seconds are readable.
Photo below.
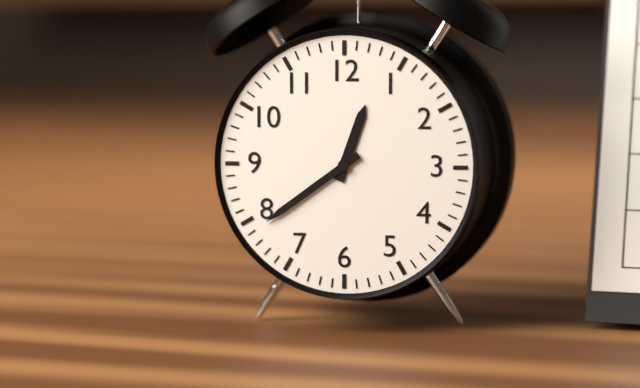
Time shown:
**12:39**
